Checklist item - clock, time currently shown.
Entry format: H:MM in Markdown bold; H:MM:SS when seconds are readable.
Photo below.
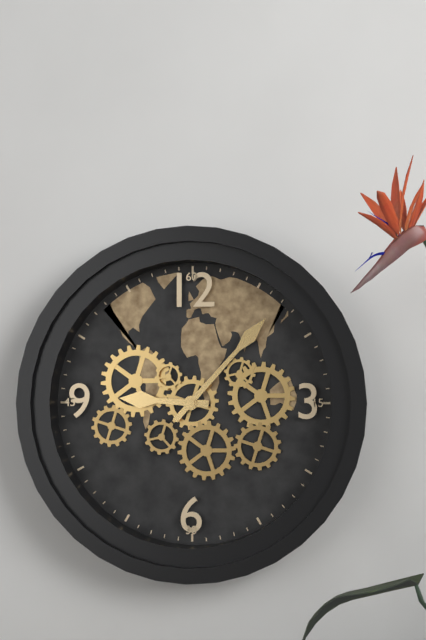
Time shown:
**9:07**
